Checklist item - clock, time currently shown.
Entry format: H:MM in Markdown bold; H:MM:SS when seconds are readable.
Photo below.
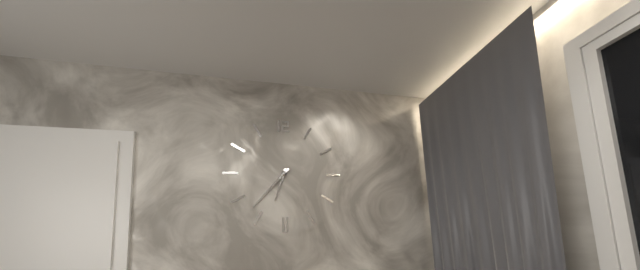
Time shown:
**6:37**
